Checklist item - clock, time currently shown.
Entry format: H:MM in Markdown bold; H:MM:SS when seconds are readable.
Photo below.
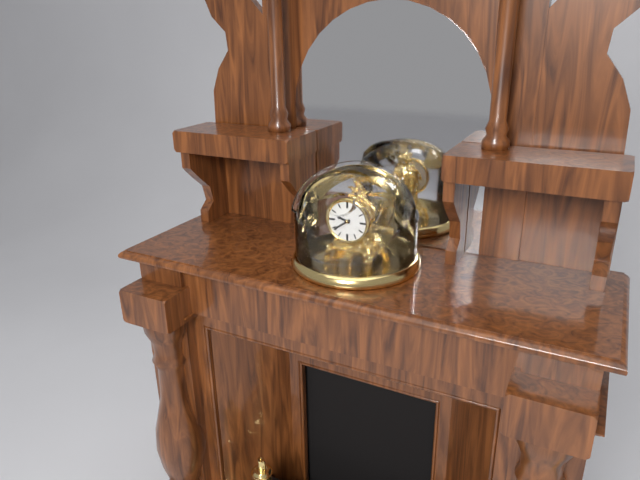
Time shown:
**9:39**
